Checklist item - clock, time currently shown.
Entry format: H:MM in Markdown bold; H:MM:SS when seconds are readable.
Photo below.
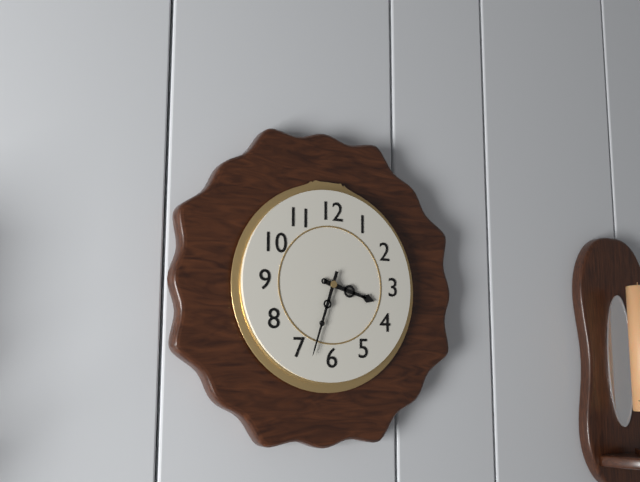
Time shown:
**3:33**
